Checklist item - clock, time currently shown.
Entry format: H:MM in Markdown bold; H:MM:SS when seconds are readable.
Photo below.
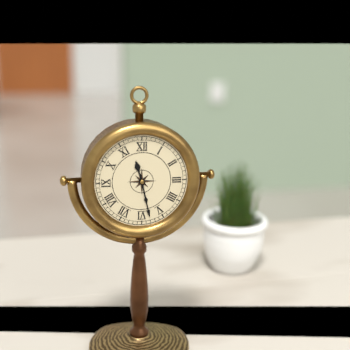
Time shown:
**11:28**
